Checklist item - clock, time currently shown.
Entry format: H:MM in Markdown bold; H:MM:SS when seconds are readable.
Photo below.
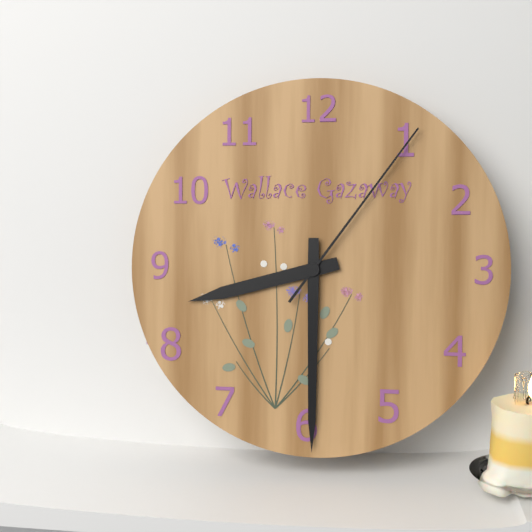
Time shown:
**8:30:06**
